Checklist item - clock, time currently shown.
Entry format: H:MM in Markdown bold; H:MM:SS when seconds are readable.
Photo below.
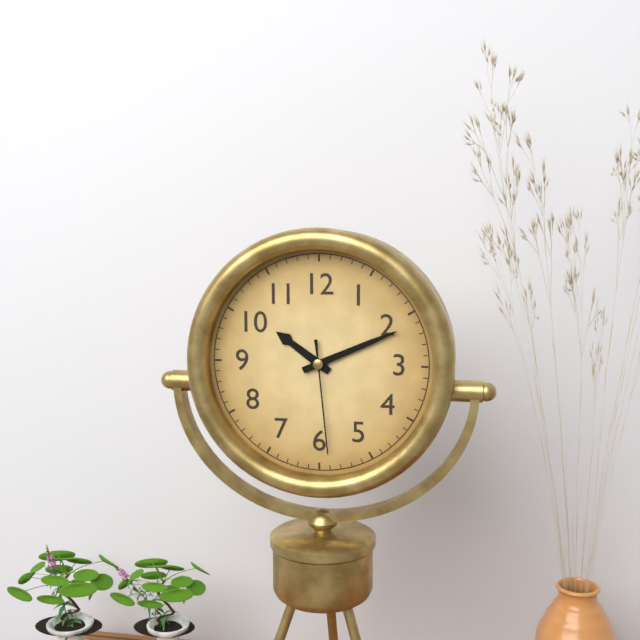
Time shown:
**10:11:29**
